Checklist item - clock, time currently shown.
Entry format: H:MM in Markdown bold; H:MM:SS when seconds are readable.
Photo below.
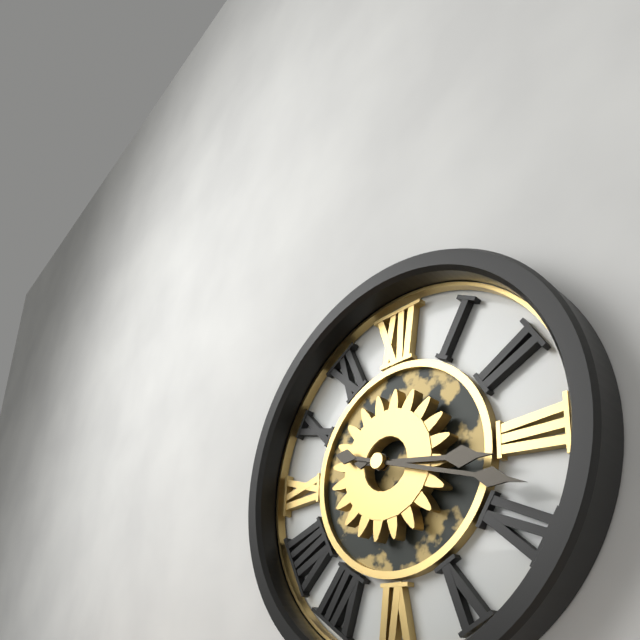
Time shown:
**3:18**
